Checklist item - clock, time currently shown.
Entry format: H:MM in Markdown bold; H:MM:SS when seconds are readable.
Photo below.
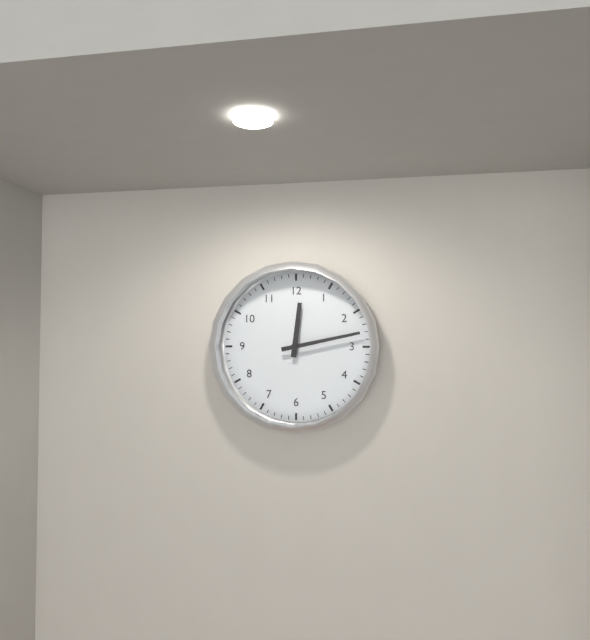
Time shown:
**12:13**
